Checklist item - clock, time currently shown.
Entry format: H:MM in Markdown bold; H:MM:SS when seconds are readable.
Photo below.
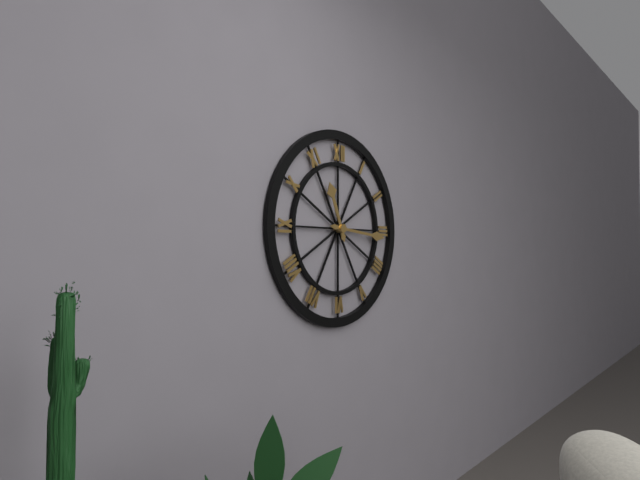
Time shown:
**11:16**
